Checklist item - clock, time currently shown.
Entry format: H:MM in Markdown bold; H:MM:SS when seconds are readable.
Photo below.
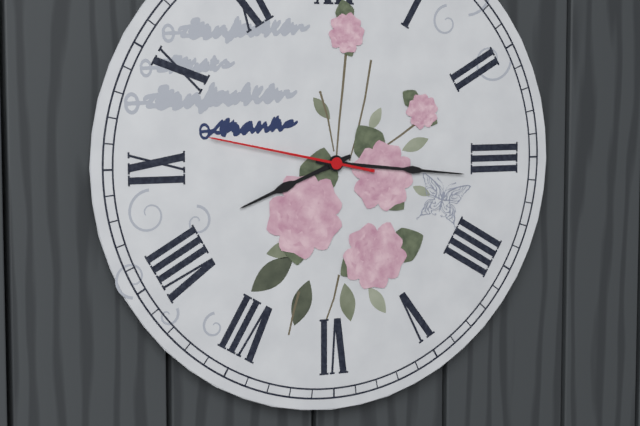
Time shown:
**8:16:47**
